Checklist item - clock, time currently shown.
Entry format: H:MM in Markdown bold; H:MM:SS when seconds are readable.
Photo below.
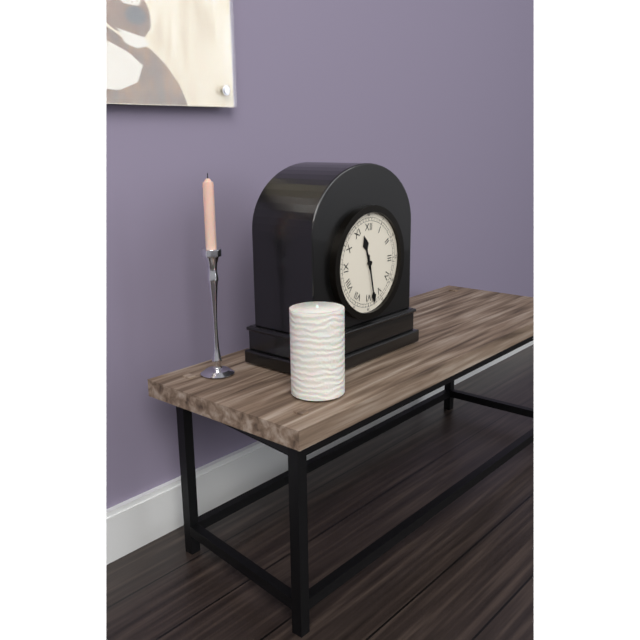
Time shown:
**11:28**
